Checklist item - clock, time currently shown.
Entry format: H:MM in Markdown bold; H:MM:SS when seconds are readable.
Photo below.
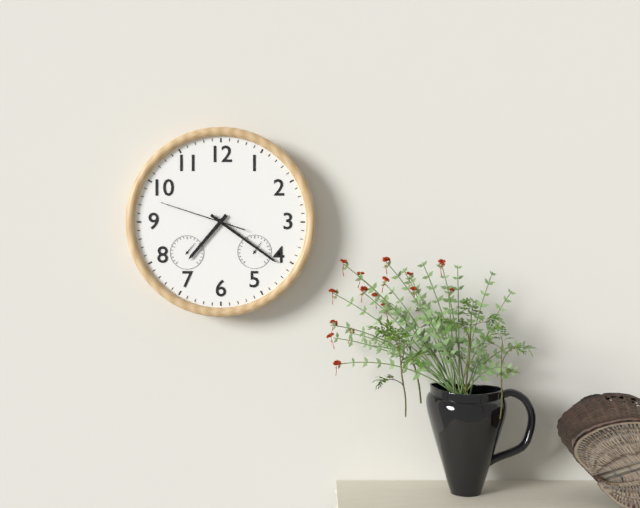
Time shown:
**7:21:48**
